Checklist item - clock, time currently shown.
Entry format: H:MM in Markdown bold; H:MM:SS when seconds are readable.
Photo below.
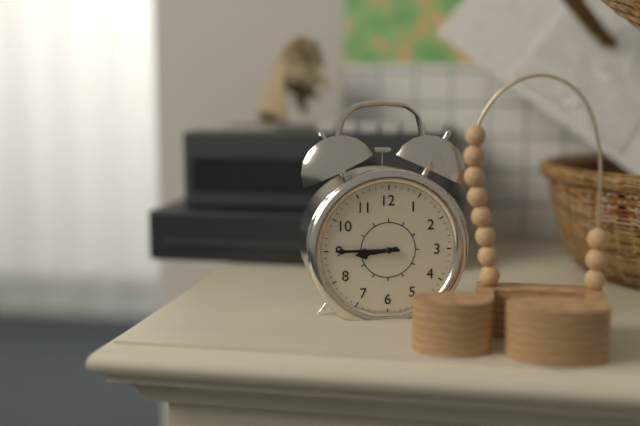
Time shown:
**8:45**
